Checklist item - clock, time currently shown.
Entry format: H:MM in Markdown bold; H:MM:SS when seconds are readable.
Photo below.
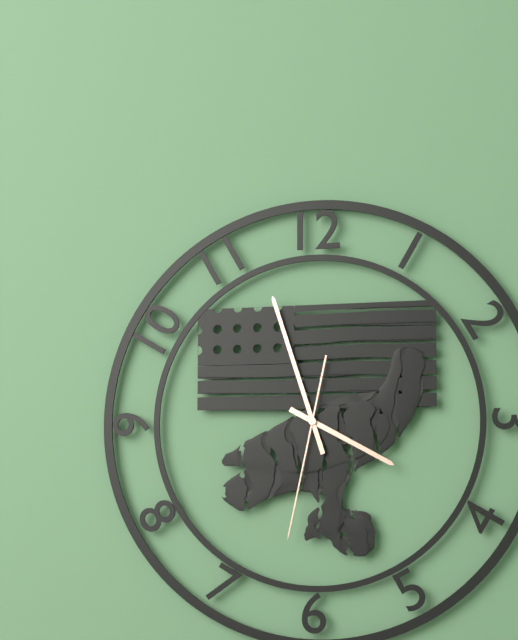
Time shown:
**3:57:32**
